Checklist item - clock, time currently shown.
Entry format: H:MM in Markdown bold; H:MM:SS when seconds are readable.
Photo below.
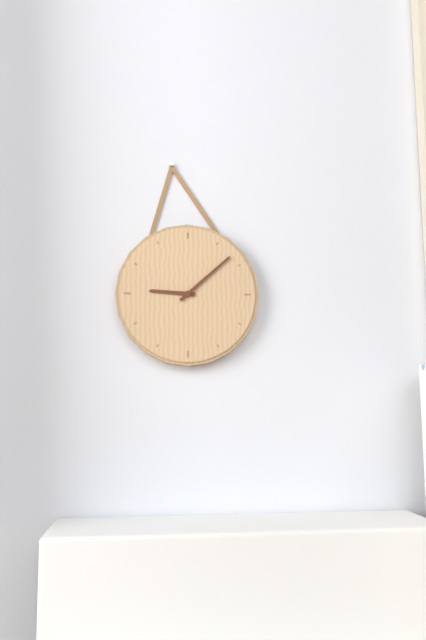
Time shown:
**9:08**
